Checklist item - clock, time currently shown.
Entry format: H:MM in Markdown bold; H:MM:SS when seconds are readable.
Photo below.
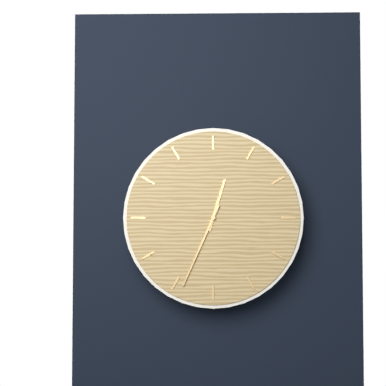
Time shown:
**12:34**
